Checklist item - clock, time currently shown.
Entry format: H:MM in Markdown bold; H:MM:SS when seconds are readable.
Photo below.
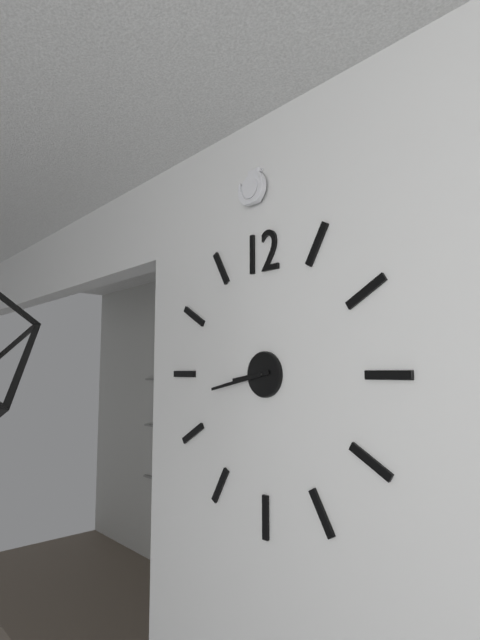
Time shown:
**8:43**
